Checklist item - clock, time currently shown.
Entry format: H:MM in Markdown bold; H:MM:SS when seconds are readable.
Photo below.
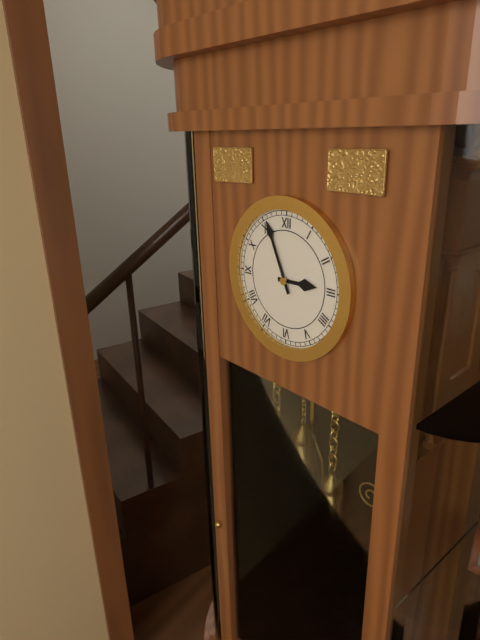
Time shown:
**2:56**
